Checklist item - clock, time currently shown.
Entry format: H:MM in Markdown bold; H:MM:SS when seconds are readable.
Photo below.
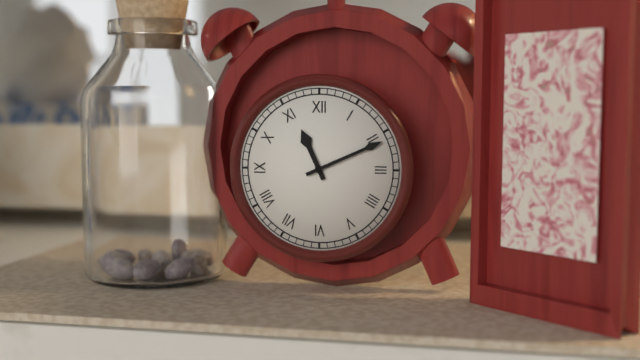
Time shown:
**11:11**
